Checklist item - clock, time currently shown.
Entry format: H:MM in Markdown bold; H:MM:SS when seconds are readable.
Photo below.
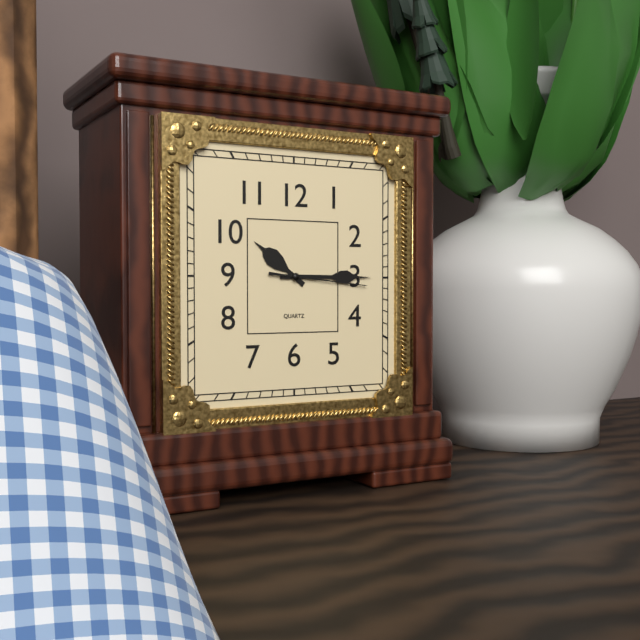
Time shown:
**10:15:16**
